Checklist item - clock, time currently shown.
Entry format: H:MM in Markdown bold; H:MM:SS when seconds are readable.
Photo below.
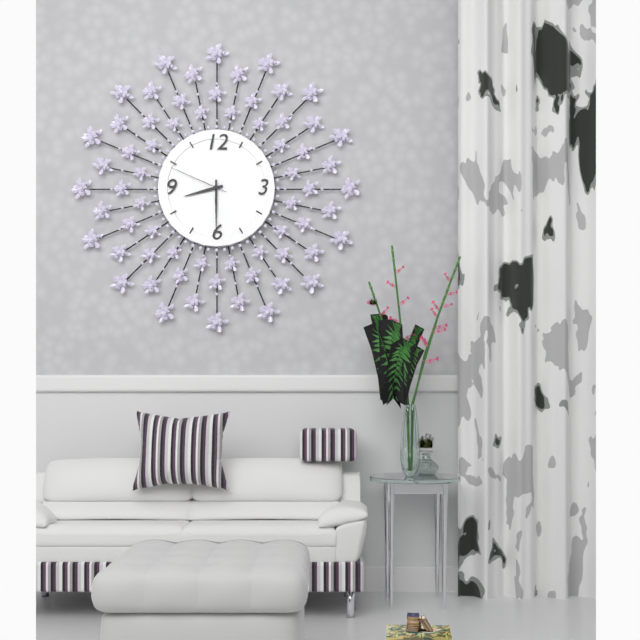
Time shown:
**8:30:49**
